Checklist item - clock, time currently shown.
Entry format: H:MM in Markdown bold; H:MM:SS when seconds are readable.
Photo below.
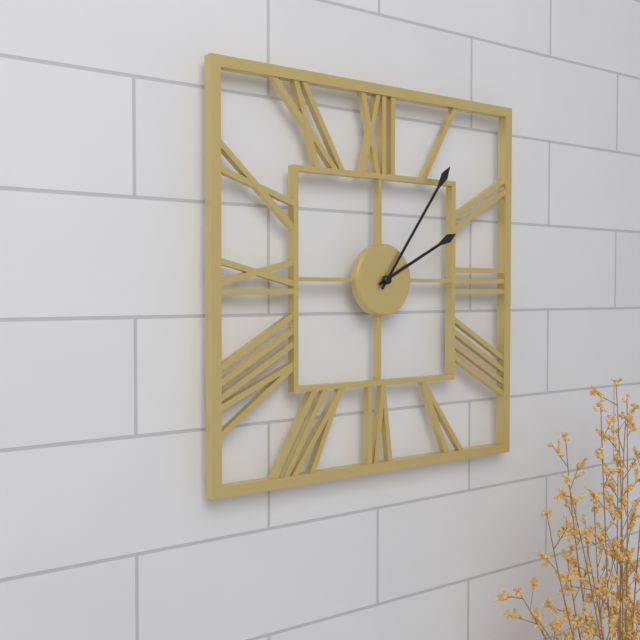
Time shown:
**2:06**
